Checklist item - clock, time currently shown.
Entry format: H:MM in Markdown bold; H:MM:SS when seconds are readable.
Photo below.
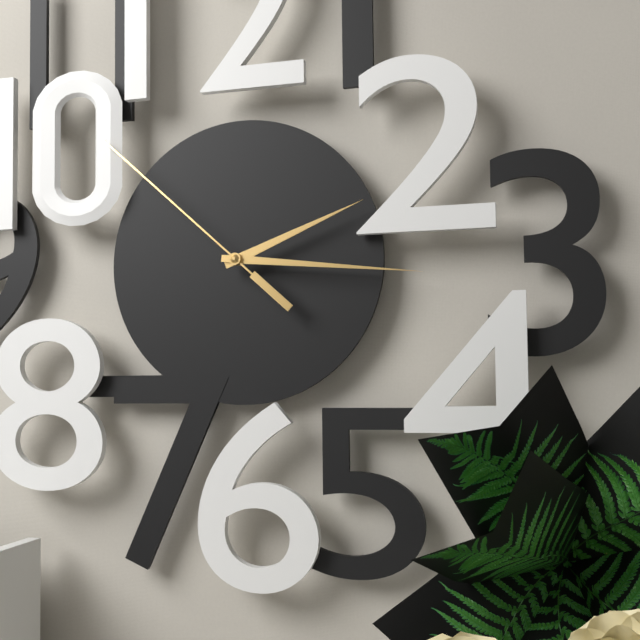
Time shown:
**2:16:52**
